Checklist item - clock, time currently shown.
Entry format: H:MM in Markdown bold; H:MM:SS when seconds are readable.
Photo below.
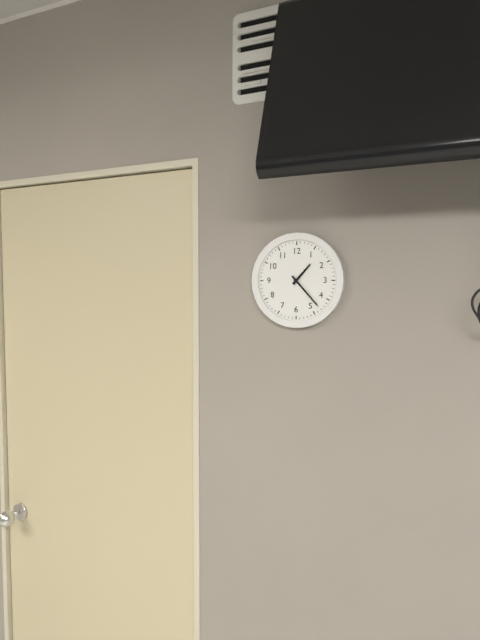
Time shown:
**1:23**
